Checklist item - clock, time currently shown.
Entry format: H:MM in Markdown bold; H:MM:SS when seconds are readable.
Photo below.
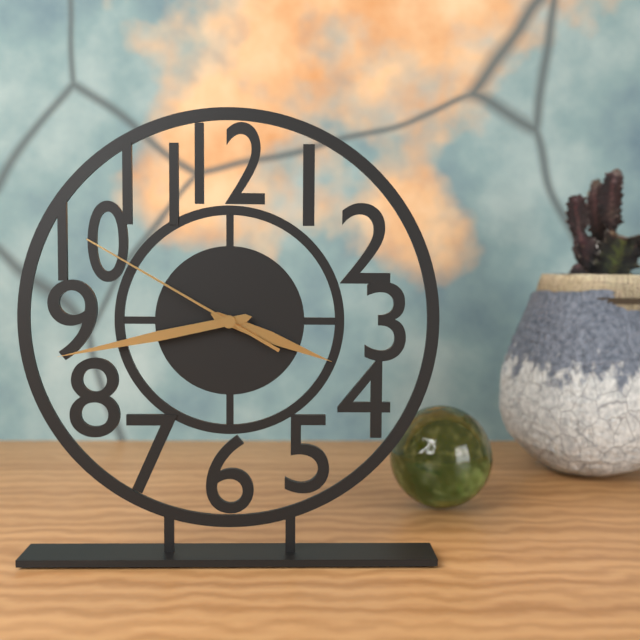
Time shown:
**3:43:50**
